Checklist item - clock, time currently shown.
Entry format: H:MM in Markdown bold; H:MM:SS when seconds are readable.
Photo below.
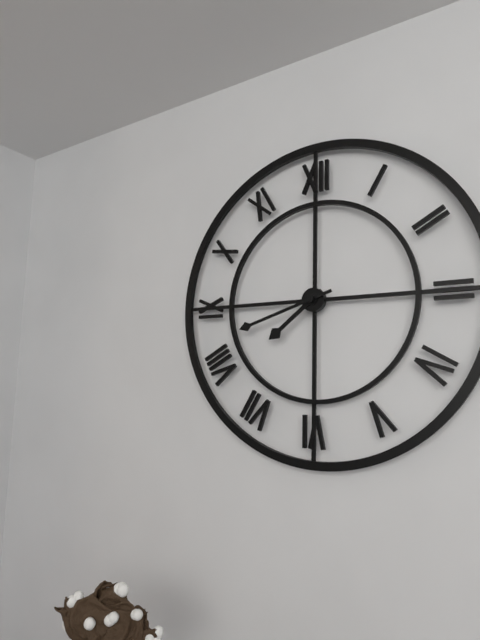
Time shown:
**7:42**
